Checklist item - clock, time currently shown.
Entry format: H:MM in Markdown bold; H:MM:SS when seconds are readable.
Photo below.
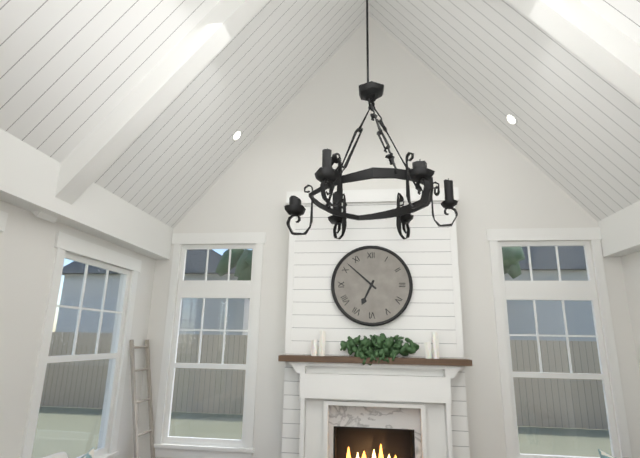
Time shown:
**6:52**
